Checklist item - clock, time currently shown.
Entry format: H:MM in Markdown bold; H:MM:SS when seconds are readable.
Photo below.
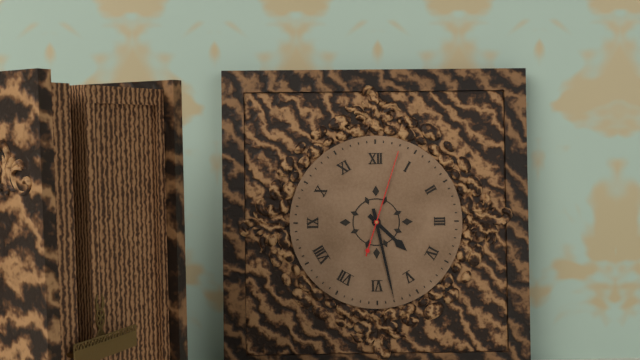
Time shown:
**4:28:03**
